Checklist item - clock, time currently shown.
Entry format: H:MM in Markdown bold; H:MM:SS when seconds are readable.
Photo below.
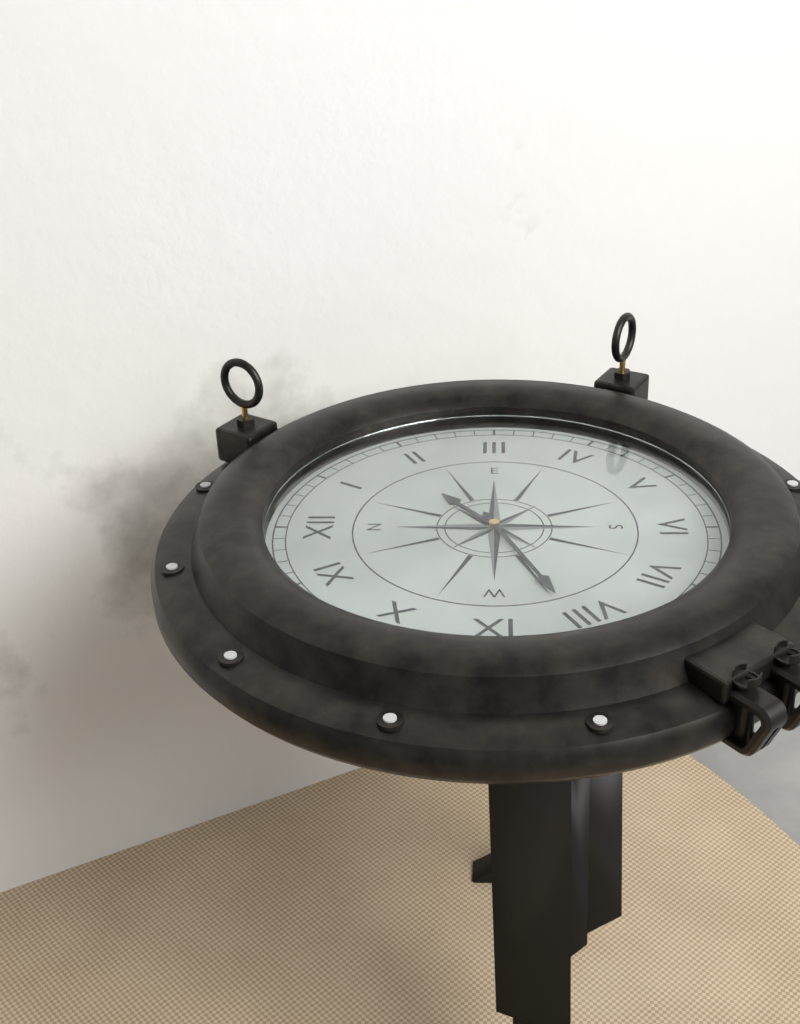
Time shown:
**1:41**
